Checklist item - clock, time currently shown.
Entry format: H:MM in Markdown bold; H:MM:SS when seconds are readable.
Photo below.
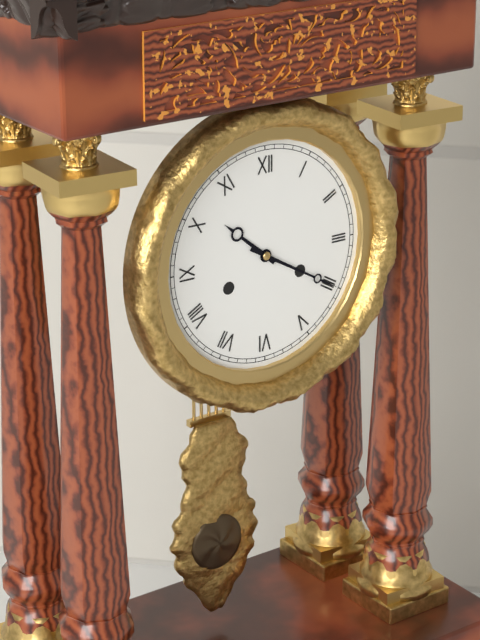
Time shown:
**10:20**
